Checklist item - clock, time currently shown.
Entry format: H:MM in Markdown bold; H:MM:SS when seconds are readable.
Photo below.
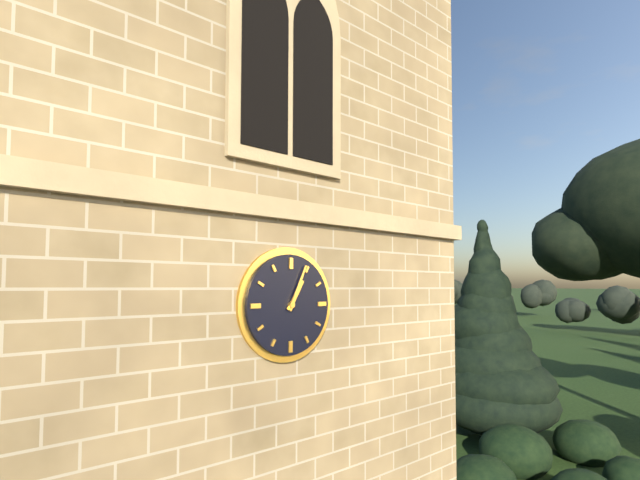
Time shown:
**1:04**
